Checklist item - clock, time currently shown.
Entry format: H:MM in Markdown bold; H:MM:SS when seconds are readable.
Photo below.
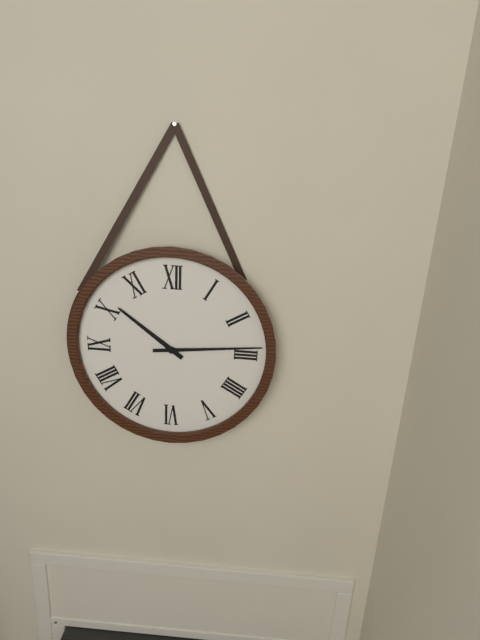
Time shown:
**10:14**
